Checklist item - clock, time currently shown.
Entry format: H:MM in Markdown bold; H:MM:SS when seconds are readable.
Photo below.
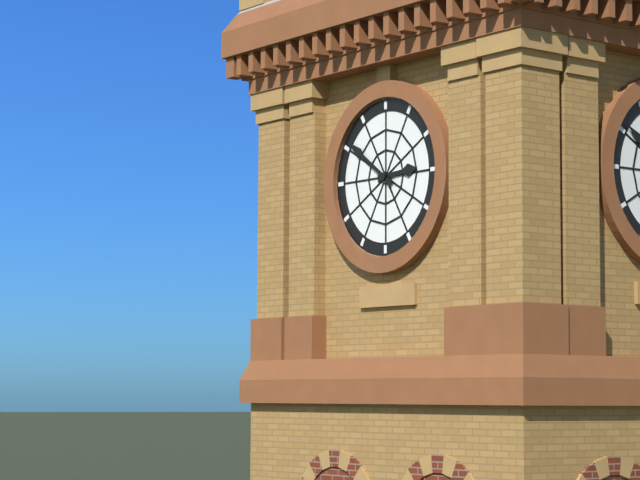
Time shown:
**2:51**
